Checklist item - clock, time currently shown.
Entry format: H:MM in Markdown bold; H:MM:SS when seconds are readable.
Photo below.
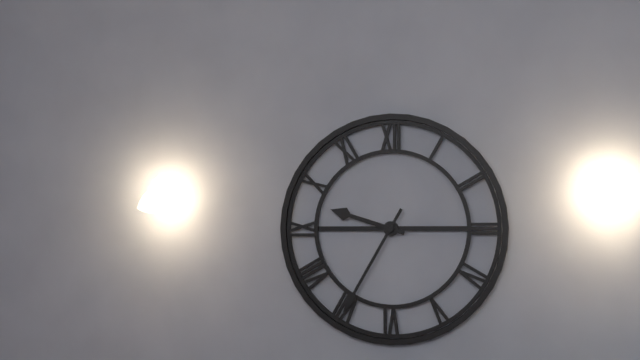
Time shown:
**9:35**
